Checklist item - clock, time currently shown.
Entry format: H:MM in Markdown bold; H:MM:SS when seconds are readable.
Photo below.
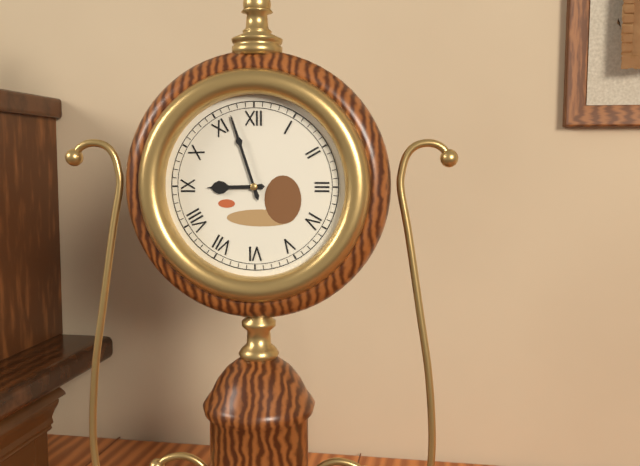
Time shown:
**8:57**
